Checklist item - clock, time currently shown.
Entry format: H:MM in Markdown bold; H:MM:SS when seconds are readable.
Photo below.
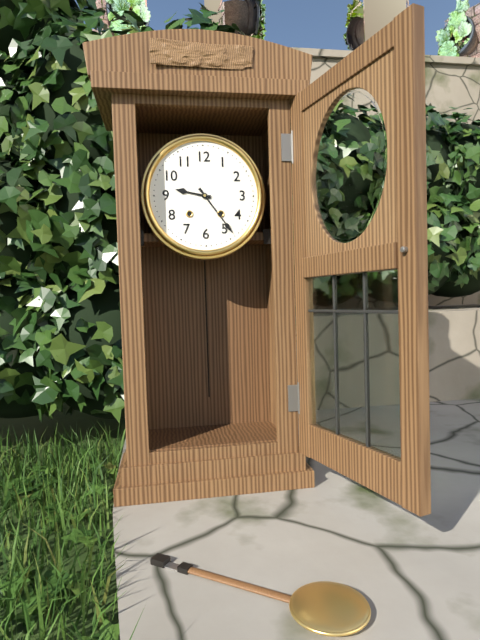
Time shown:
**9:24**
